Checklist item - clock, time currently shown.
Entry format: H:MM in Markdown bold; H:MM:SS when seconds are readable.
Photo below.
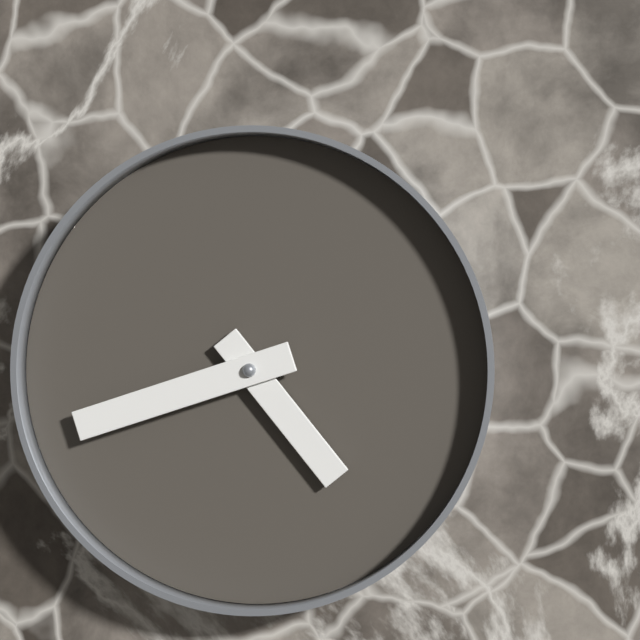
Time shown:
**4:42**
